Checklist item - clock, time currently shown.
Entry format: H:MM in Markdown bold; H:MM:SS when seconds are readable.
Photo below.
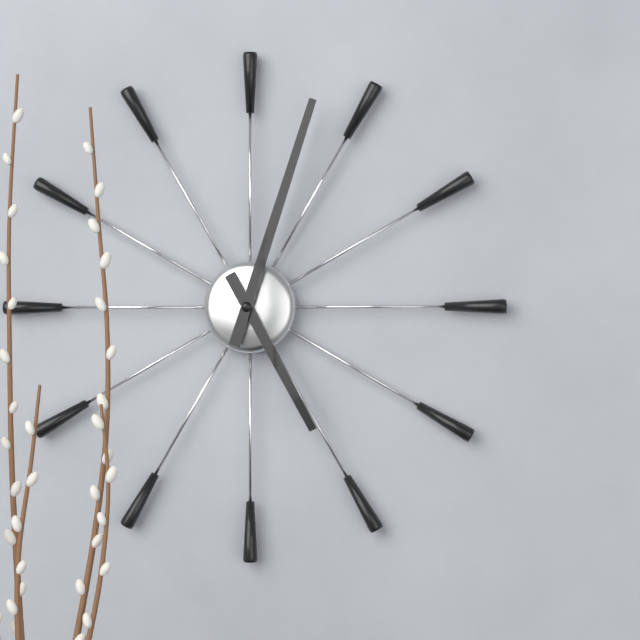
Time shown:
**5:03**
